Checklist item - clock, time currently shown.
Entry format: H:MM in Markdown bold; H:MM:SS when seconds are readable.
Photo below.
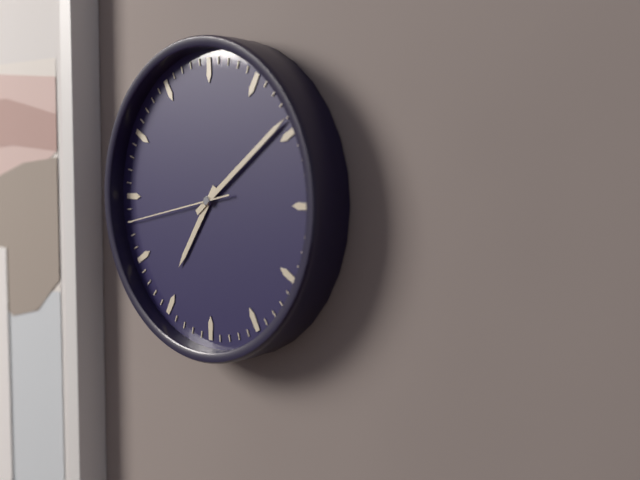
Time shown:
**7:09:43**
